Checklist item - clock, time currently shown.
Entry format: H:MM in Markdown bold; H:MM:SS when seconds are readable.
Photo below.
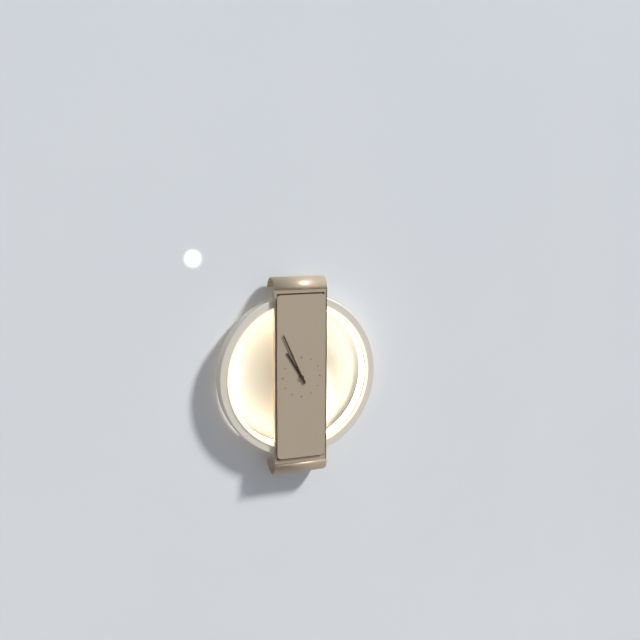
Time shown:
**10:56**
